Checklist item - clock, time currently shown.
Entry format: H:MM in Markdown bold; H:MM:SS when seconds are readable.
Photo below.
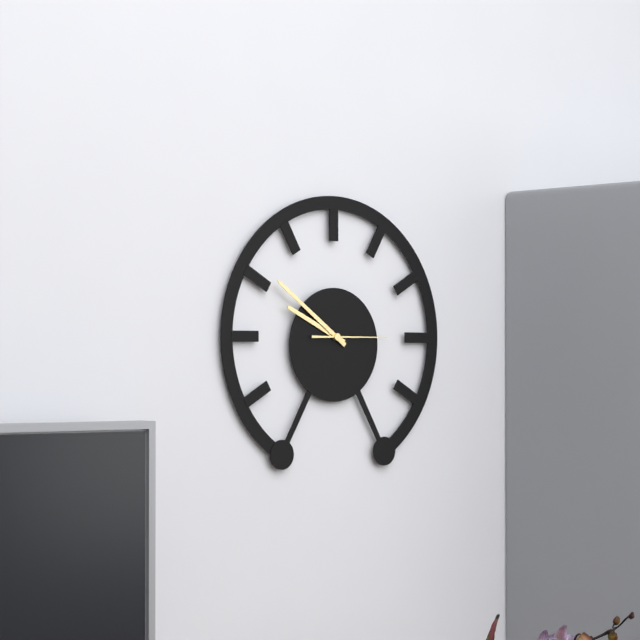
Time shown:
**9:51:15**
